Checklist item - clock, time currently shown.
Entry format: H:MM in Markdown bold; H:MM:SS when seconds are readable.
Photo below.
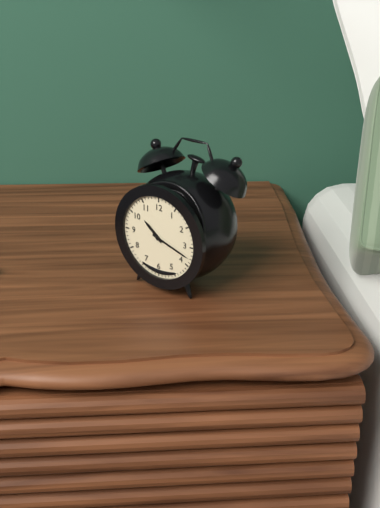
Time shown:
**10:18**
